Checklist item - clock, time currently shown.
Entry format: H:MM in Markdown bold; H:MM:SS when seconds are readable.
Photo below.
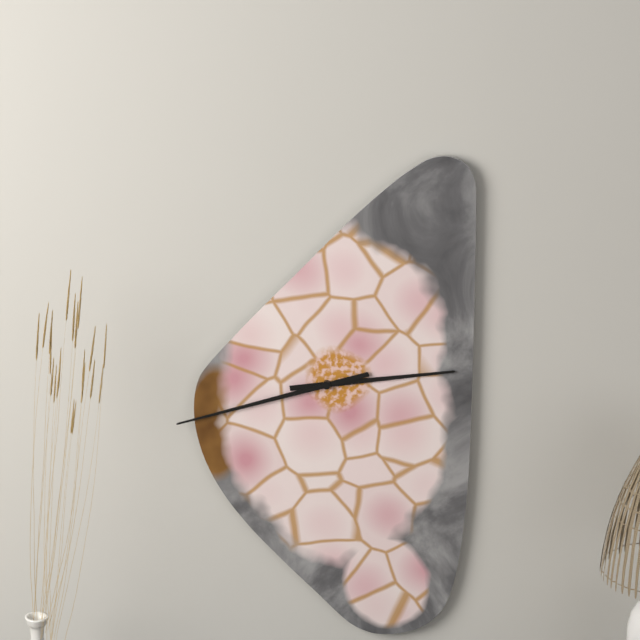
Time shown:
**2:42**
